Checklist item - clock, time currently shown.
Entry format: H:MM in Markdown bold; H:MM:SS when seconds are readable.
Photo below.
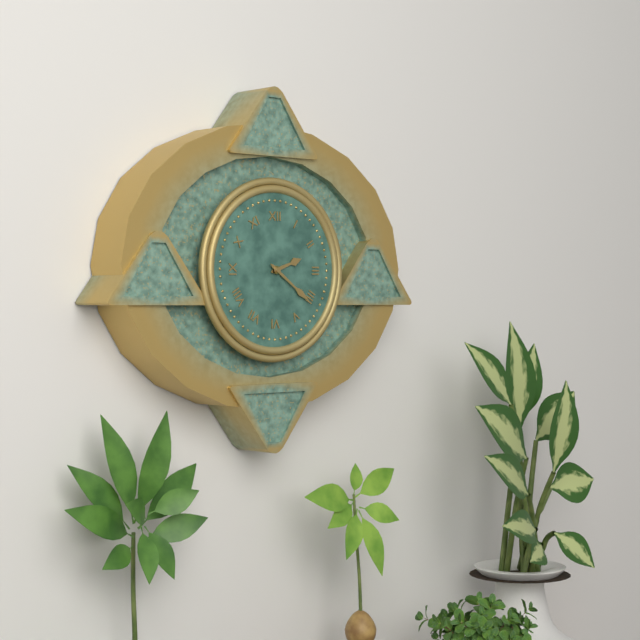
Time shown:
**2:21**
